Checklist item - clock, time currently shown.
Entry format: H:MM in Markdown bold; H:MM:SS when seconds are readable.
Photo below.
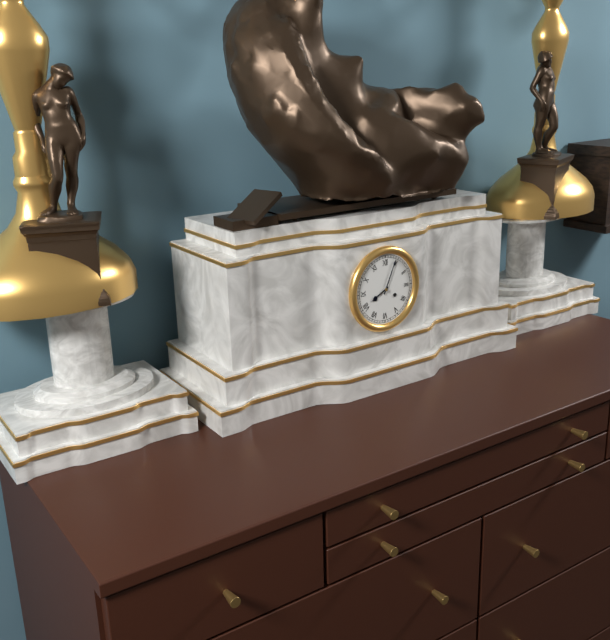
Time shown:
**8:04**
